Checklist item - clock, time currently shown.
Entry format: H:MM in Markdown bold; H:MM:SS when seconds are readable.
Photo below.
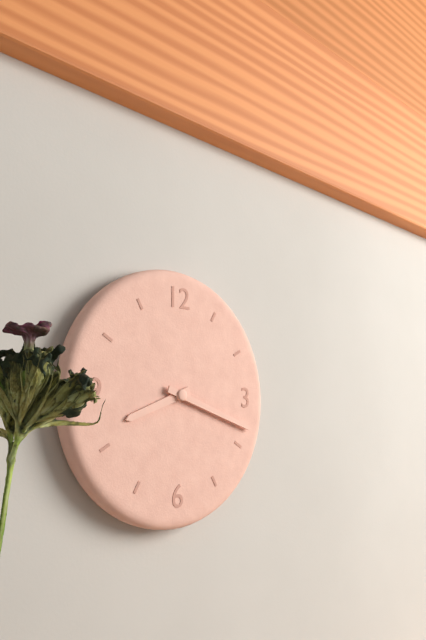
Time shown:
**8:18**
